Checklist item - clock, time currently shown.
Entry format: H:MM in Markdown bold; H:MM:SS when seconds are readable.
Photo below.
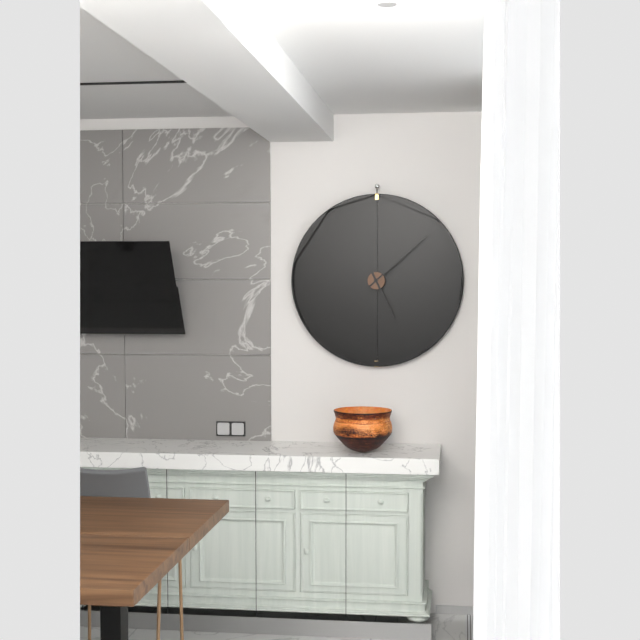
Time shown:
**5:08**
